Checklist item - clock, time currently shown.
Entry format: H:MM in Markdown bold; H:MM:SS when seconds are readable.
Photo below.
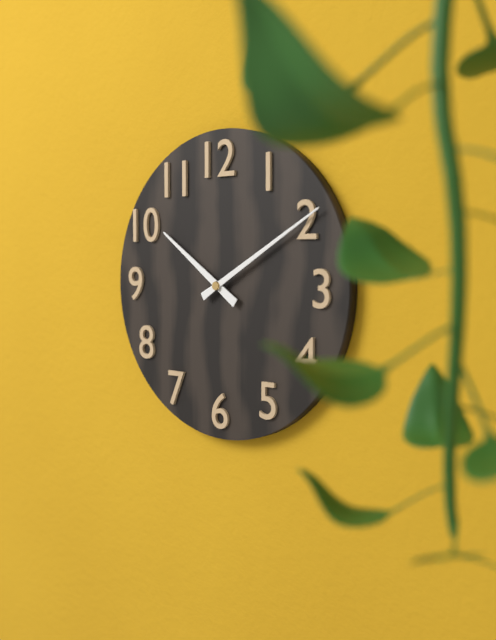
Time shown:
**10:10**
